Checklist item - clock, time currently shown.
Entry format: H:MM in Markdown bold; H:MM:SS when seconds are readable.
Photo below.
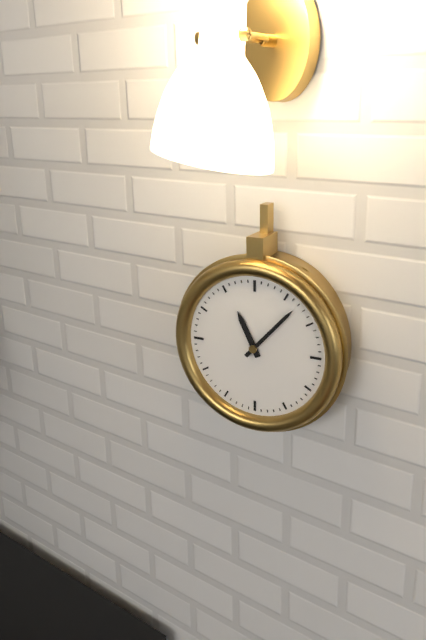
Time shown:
**11:07**
